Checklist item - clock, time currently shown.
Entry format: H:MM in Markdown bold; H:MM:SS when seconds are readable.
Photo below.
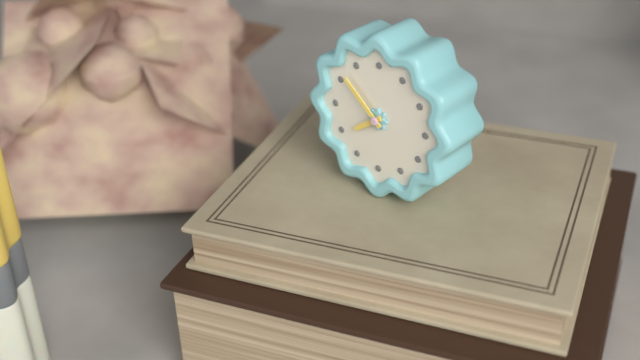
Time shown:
**7:52**
